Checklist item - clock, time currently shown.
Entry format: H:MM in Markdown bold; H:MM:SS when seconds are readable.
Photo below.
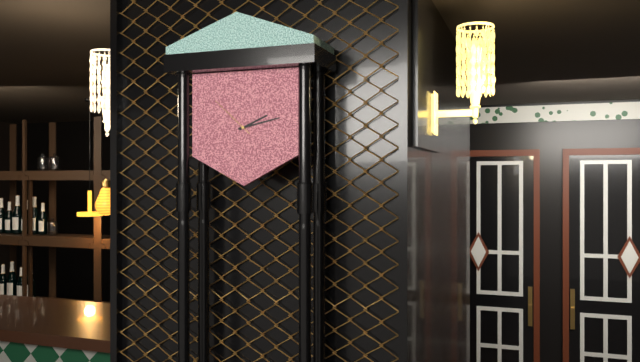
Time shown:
**2:13**
